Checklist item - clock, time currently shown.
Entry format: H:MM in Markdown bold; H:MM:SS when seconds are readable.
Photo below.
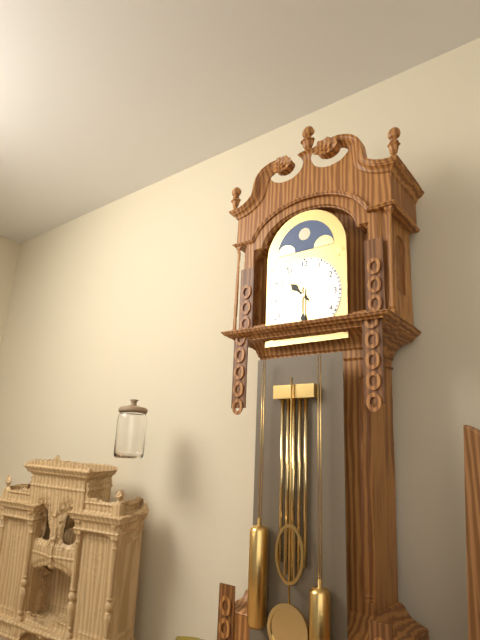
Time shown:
**10:30**
